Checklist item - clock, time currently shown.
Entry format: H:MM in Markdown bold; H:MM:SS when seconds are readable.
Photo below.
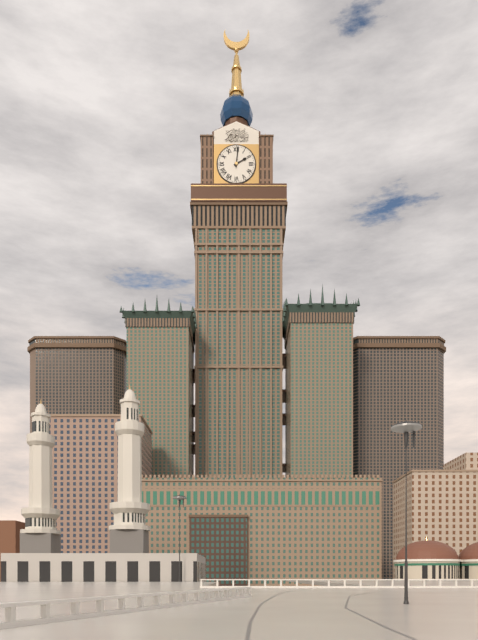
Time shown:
**2:01**
